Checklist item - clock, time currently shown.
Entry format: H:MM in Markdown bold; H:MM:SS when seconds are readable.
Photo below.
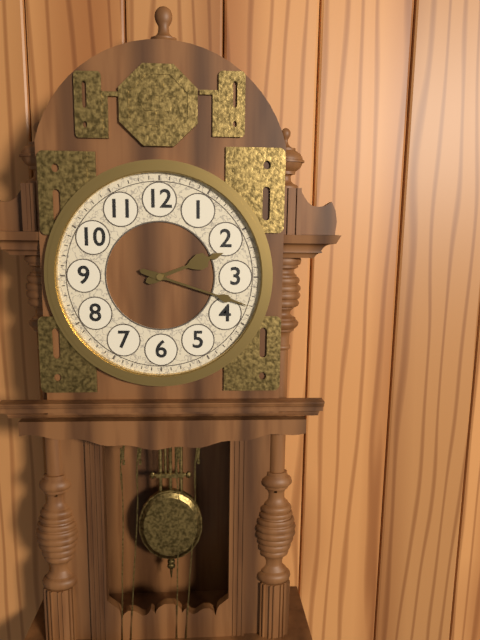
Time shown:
**2:18**
